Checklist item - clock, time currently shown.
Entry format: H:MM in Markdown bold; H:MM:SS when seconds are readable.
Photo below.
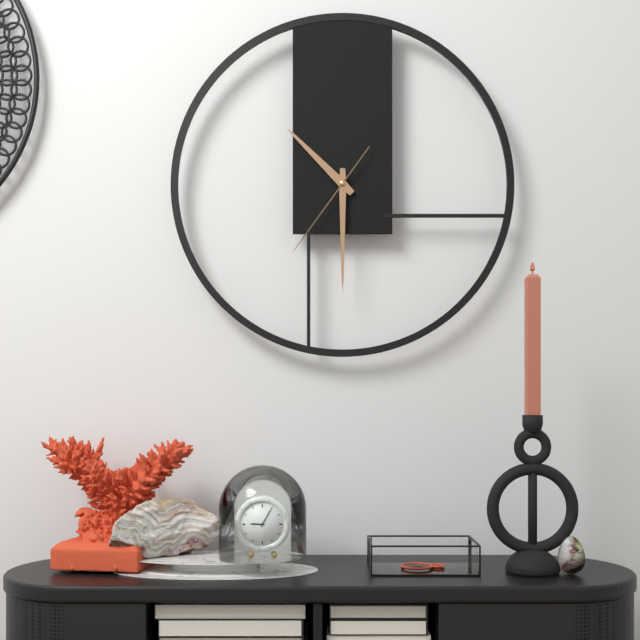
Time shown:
**10:30:36**
